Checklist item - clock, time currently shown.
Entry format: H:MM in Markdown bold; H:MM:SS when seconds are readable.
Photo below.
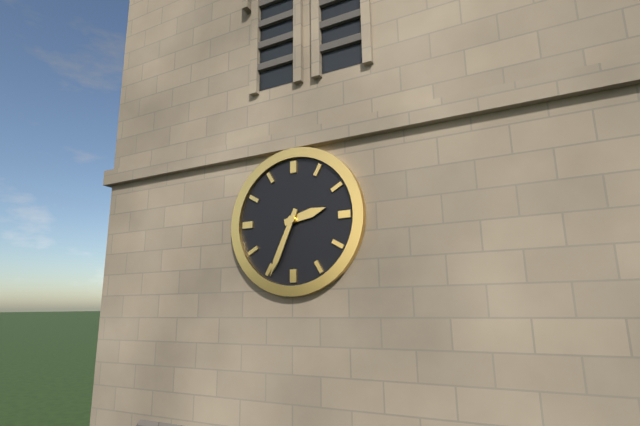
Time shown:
**2:34**
